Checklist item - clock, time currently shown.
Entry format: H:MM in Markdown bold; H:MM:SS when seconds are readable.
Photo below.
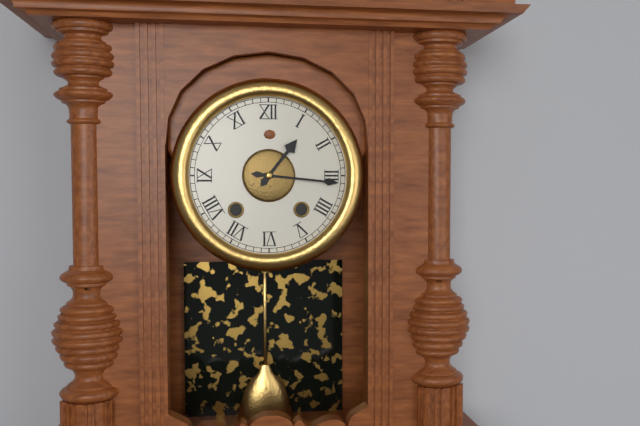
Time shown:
**1:16**
